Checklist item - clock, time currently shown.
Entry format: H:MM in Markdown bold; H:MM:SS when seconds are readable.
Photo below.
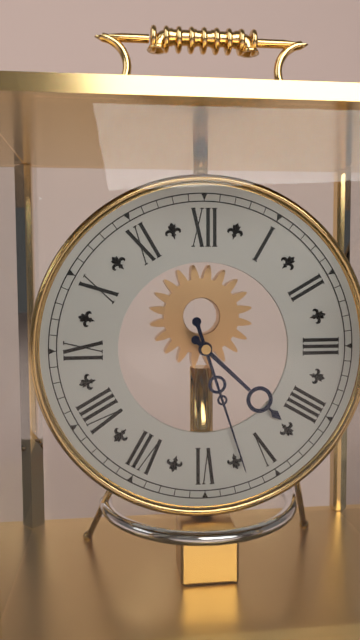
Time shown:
**4:27**
